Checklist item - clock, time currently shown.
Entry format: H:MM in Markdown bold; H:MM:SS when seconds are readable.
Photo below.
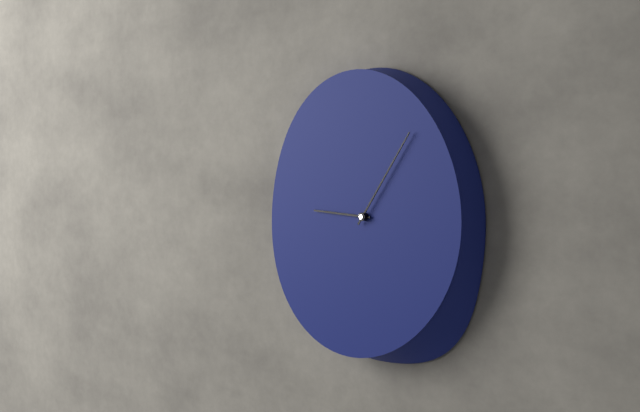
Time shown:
**9:06**
